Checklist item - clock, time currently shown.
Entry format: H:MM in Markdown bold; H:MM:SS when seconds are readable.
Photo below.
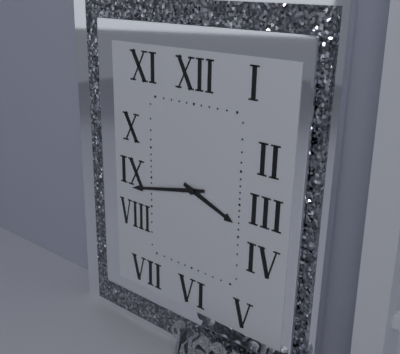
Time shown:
**3:43**
